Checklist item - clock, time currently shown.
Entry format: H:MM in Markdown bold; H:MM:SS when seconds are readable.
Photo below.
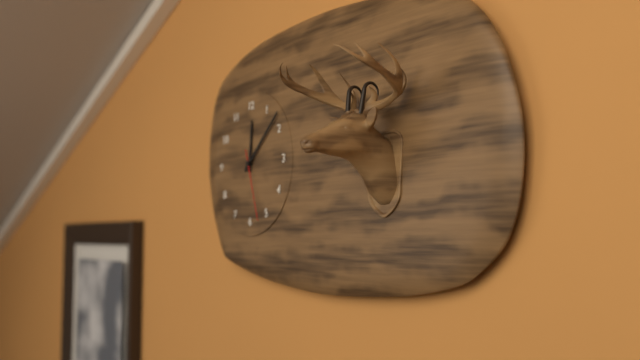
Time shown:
**12:08:27**
